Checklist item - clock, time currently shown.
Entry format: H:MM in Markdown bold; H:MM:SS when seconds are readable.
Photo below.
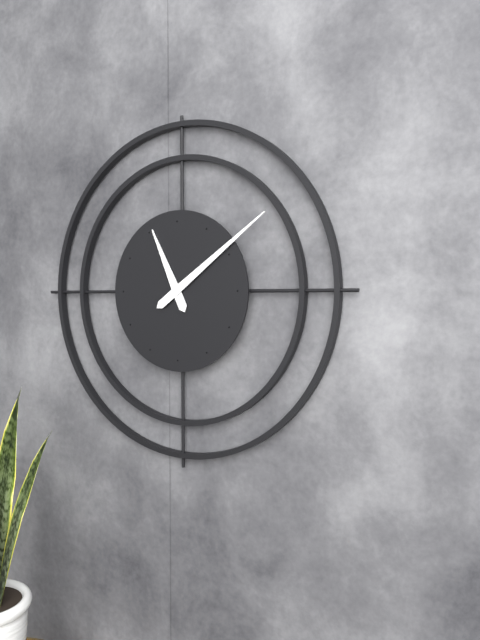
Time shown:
**11:09**
